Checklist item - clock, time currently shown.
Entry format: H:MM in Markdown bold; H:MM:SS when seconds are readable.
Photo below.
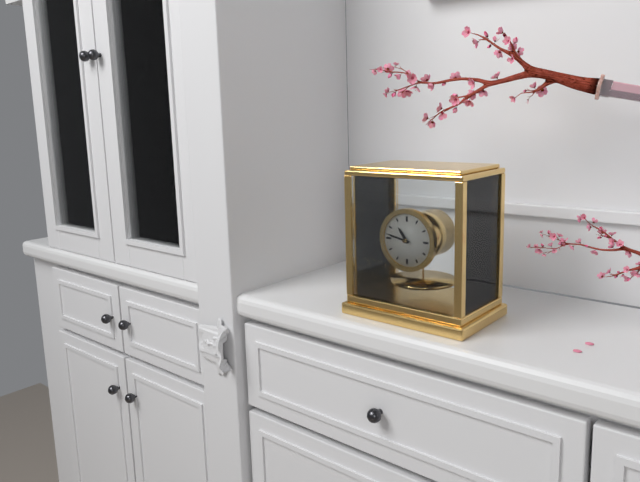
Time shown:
**10:47**
